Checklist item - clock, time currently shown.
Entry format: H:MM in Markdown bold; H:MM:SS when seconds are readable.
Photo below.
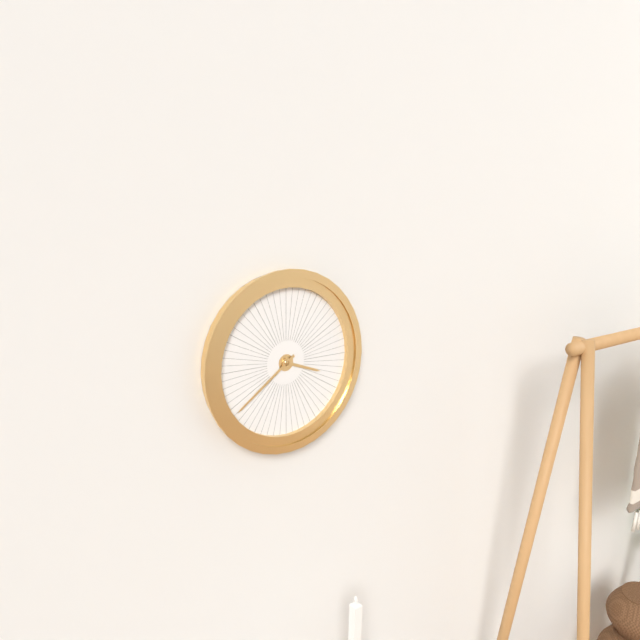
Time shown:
**3:39**
